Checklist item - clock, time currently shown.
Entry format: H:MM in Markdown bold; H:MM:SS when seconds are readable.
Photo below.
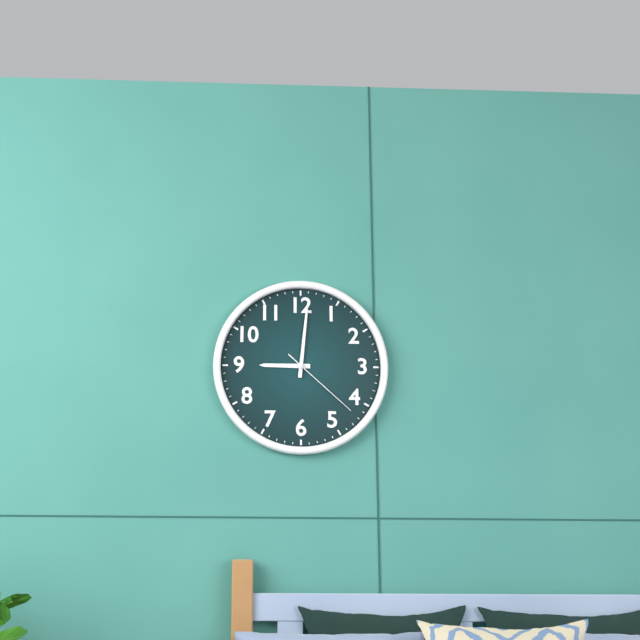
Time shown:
**9:01:22**
